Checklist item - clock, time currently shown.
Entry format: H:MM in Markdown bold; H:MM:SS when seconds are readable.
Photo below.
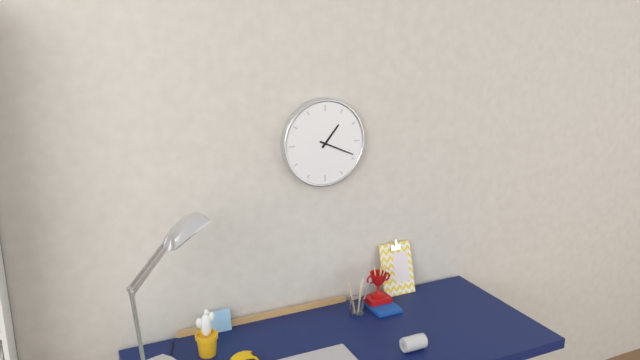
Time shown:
**1:19**
